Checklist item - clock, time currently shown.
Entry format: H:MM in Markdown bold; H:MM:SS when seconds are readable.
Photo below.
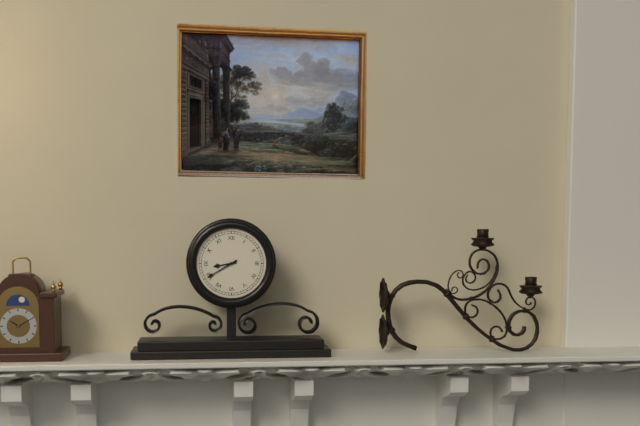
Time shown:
**8:40**
